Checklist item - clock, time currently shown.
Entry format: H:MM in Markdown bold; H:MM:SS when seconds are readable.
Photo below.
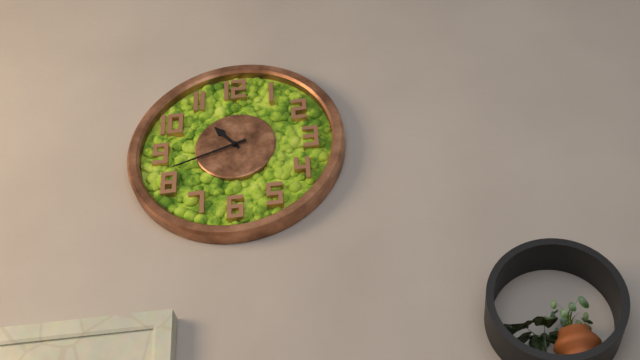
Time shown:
**10:42**
